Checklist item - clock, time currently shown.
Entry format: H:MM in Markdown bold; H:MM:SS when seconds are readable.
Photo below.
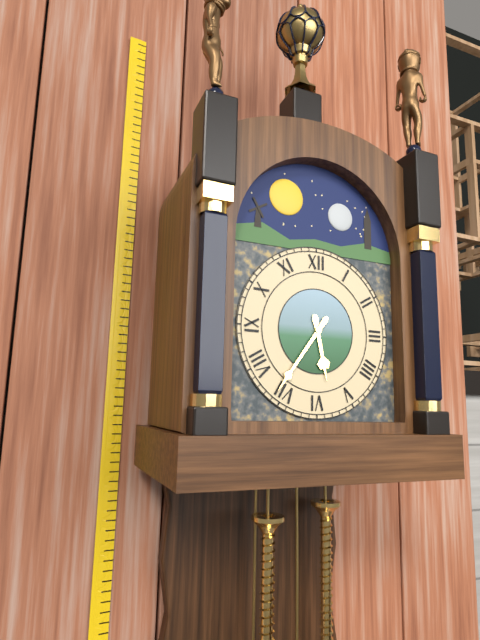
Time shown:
**5:36**
